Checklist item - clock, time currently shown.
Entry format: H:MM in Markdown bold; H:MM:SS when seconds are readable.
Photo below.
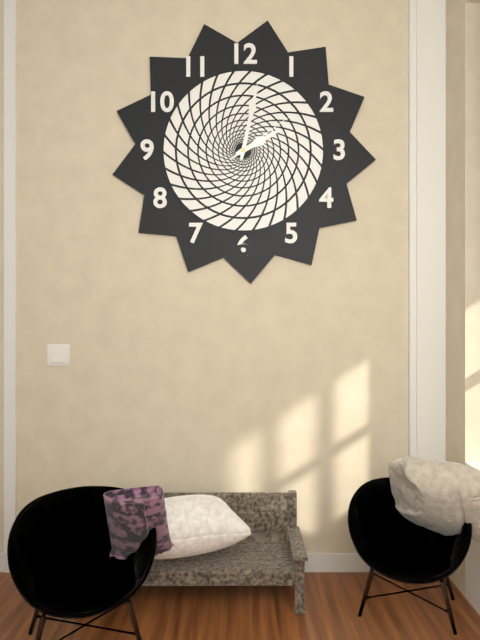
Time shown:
**2:02:09**
